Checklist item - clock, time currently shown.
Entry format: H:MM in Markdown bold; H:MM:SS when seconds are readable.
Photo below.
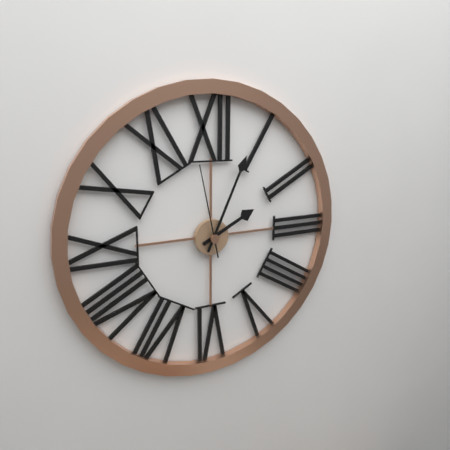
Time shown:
**2:04:58**
